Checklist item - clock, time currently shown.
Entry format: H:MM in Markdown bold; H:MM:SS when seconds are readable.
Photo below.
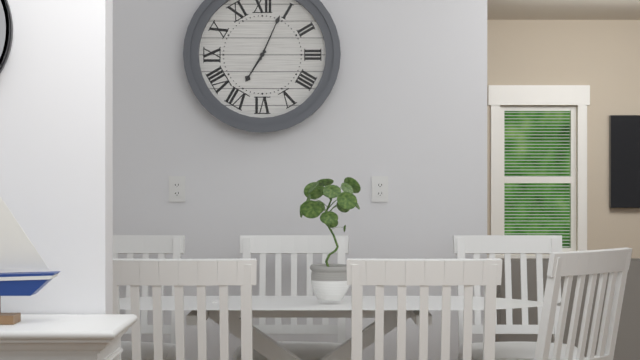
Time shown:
**7:04**
